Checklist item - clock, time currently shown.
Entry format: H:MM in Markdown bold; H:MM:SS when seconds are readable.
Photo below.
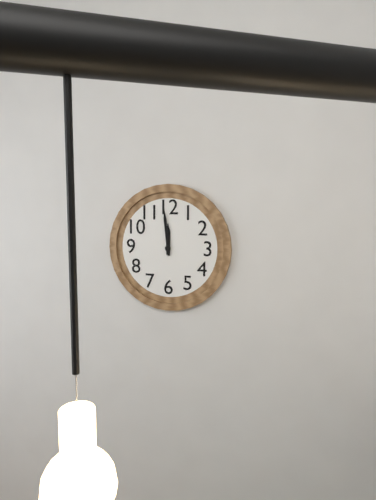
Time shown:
**11:59**
